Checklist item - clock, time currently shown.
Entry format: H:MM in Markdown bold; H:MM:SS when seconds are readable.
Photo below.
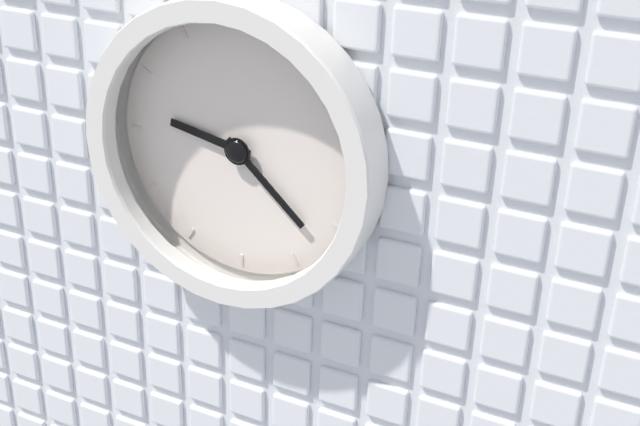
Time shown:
**9:22**
